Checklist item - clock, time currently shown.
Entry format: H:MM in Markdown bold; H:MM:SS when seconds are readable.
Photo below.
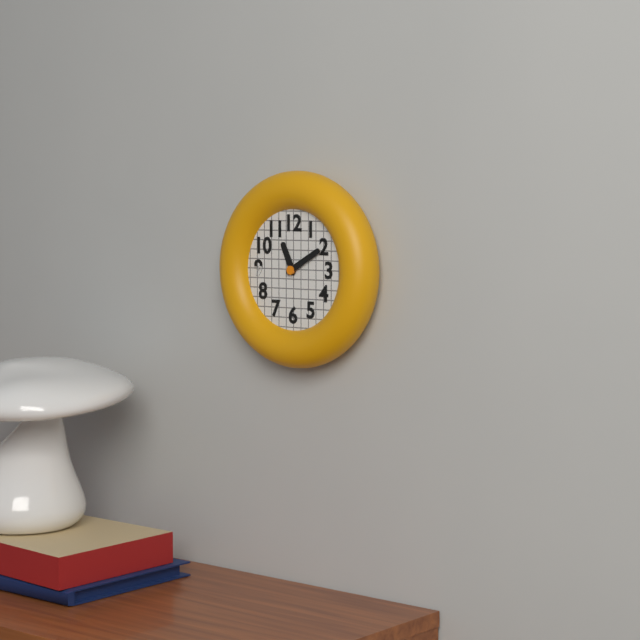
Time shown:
**11:10**
